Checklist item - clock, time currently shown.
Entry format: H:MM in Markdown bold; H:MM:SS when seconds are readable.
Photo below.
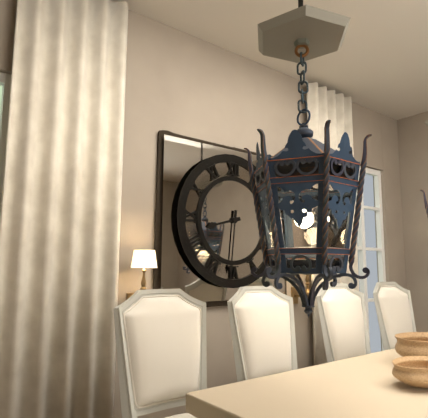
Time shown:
**8:31**
